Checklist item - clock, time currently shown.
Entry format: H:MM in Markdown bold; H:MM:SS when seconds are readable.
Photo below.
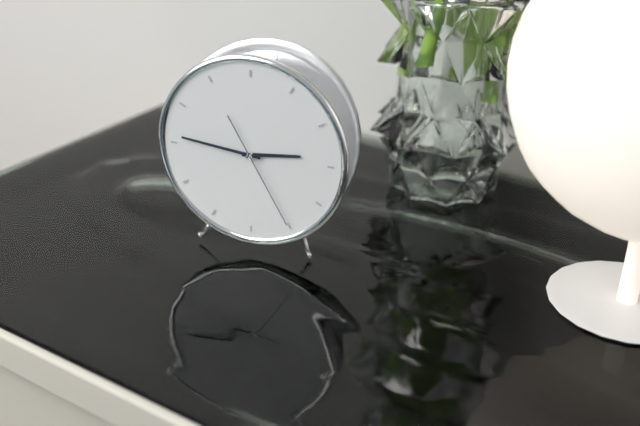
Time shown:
**2:46:25**
